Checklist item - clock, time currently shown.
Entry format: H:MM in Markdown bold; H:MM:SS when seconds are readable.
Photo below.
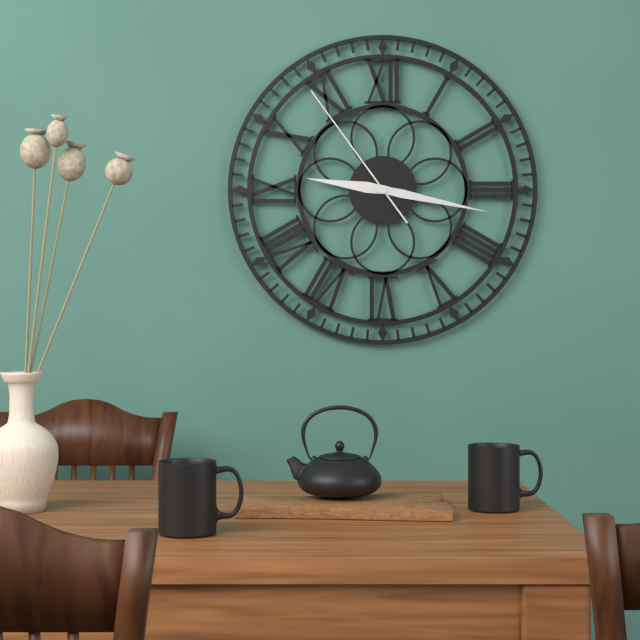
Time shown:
**9:17:54**
